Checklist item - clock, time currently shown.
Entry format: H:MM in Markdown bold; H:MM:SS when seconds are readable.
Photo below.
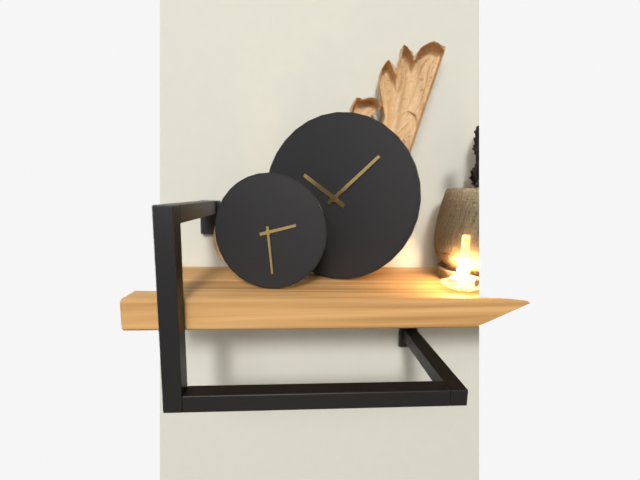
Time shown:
**2:29**
